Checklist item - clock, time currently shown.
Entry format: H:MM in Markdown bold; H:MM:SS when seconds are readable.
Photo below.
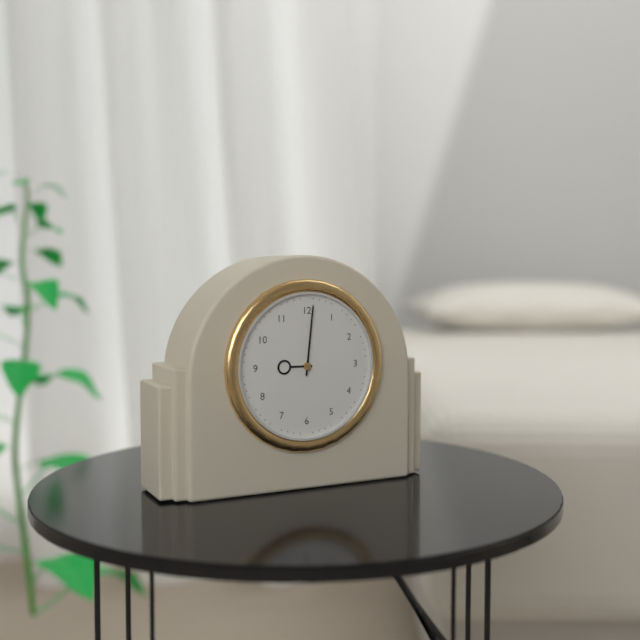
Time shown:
**9:01**
